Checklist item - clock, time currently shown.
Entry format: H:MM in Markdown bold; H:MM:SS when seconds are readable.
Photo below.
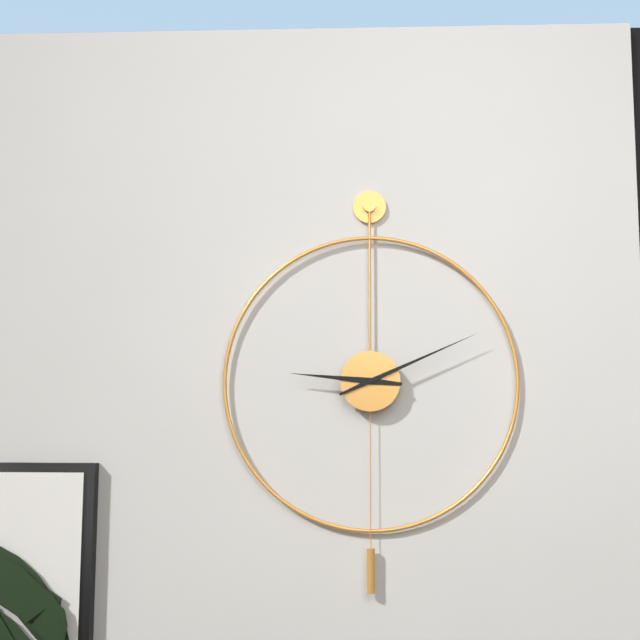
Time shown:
**9:11**
